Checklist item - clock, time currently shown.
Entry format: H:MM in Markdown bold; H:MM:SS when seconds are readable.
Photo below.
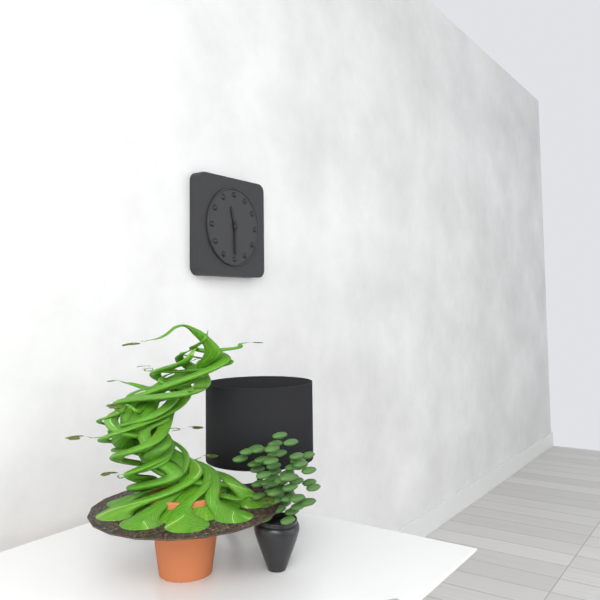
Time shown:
**11:30**
